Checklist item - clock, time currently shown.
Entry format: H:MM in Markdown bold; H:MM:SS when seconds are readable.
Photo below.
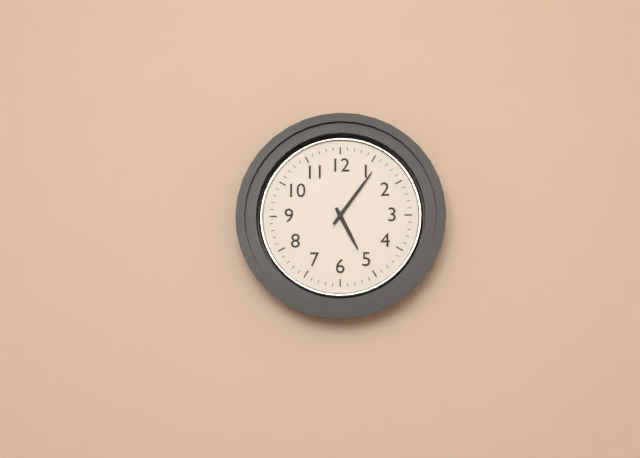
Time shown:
**5:06**
